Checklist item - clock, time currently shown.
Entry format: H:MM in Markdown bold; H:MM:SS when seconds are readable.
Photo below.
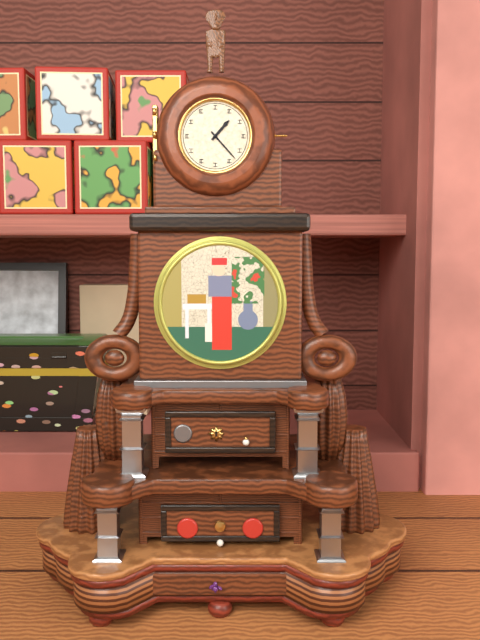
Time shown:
**1:23**
